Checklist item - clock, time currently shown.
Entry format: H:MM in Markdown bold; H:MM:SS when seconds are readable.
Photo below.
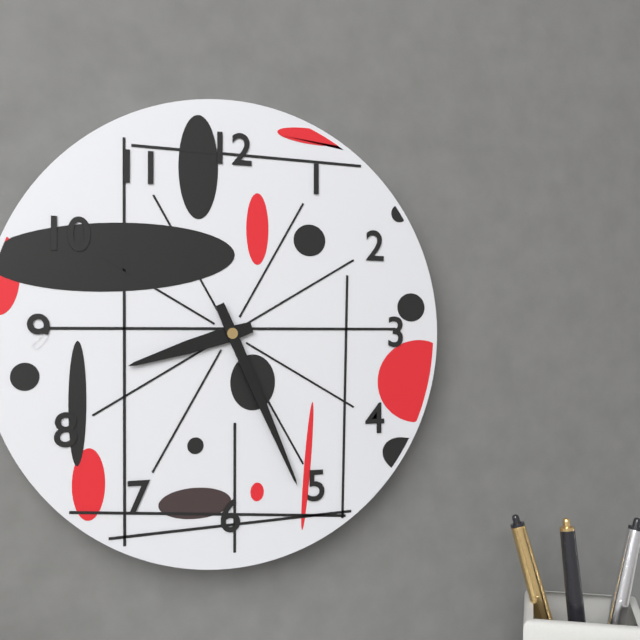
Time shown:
**8:26**
